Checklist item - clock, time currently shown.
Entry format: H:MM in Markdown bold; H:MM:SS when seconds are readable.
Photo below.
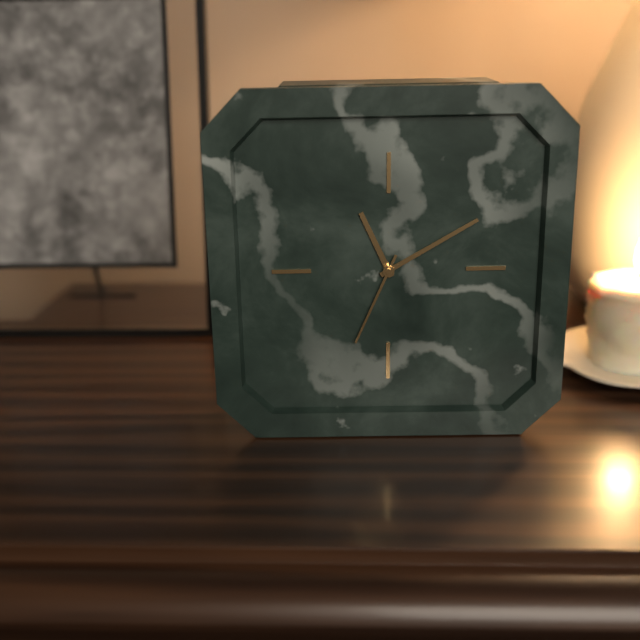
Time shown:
**11:10:34**
